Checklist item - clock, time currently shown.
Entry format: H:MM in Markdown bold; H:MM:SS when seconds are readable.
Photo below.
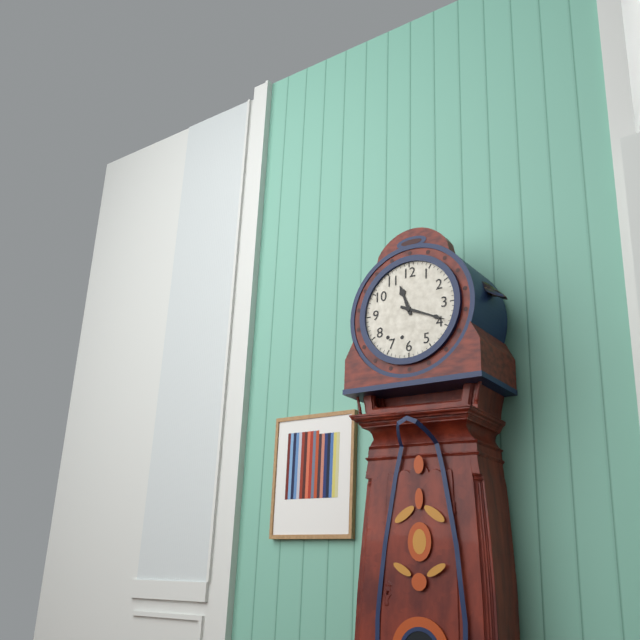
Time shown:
**11:19**
